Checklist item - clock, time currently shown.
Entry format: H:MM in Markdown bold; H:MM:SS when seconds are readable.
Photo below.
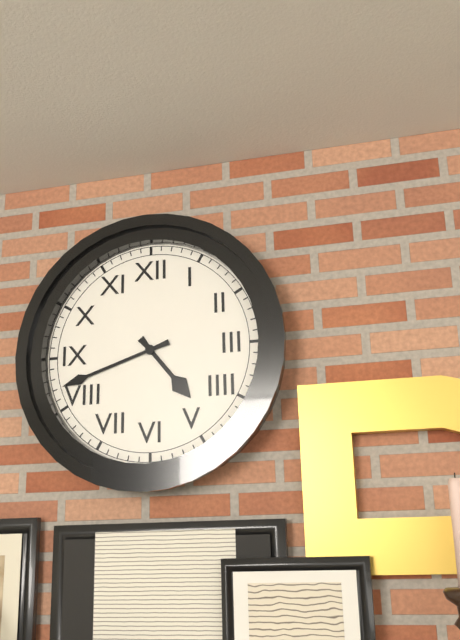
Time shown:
**4:42**
